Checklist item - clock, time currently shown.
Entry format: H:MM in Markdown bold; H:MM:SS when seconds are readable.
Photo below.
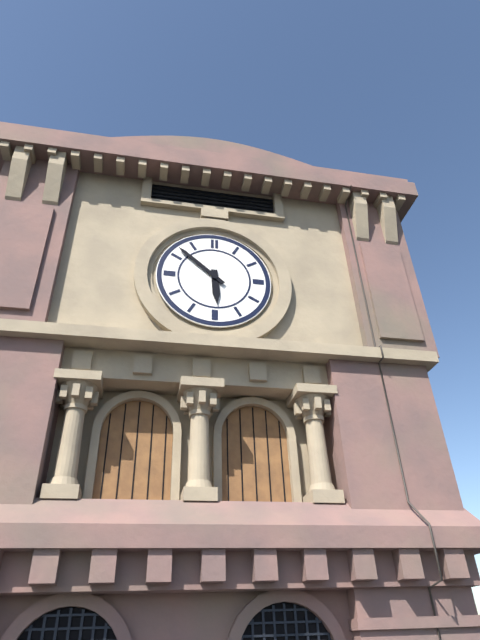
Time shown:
**5:52**
